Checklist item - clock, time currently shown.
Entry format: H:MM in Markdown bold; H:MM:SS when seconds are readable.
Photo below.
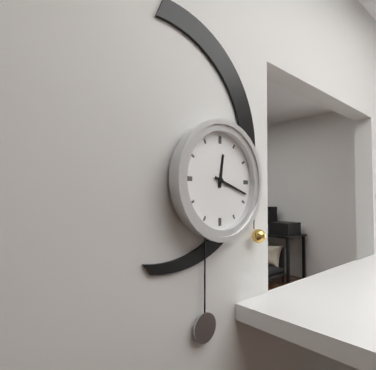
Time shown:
**12:18**
